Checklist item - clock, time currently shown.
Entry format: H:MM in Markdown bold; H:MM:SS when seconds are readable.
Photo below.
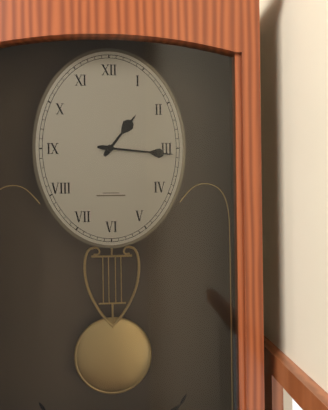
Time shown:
**1:16**
